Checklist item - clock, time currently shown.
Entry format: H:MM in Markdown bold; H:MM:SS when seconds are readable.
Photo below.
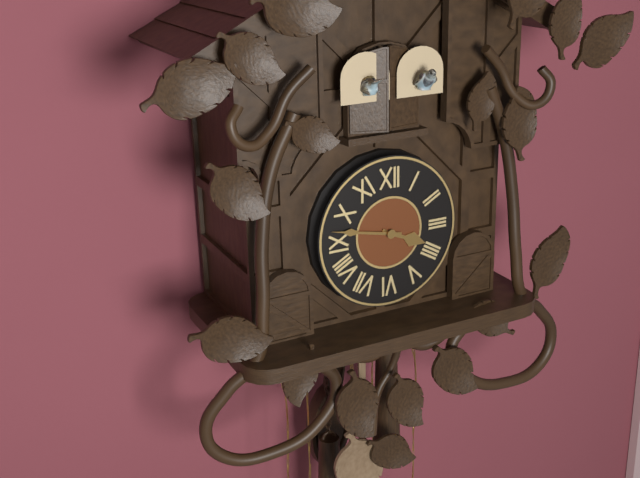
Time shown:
**3:47**
